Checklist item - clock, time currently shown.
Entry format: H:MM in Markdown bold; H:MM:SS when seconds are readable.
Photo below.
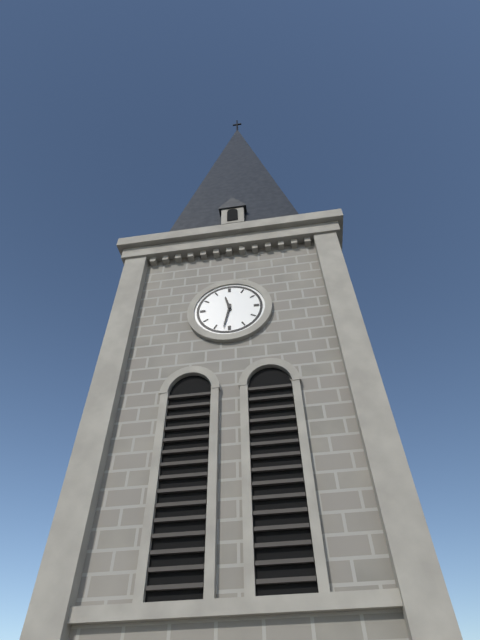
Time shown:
**11:32**
